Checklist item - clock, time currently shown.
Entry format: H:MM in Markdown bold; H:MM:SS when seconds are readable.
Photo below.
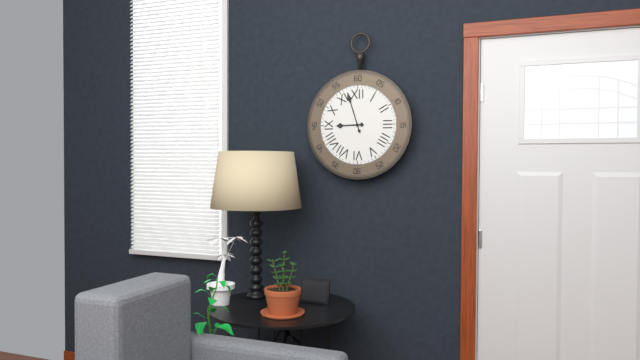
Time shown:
**8:57**
